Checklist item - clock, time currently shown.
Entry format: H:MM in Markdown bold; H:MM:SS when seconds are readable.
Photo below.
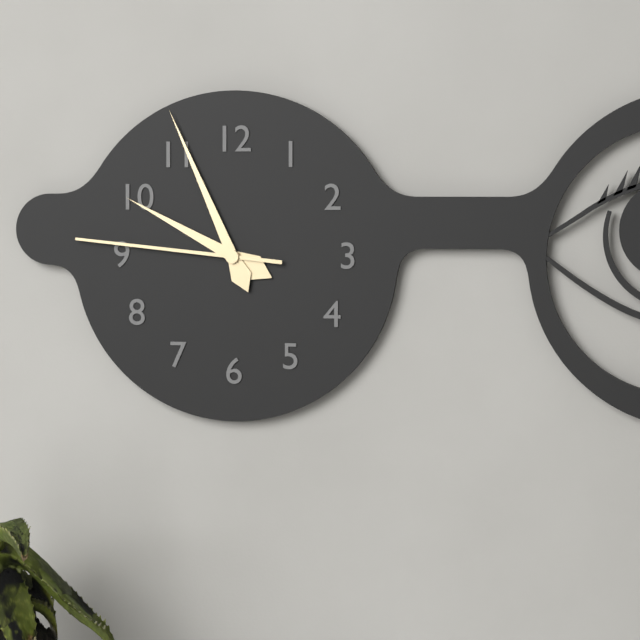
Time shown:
**9:56:46**
